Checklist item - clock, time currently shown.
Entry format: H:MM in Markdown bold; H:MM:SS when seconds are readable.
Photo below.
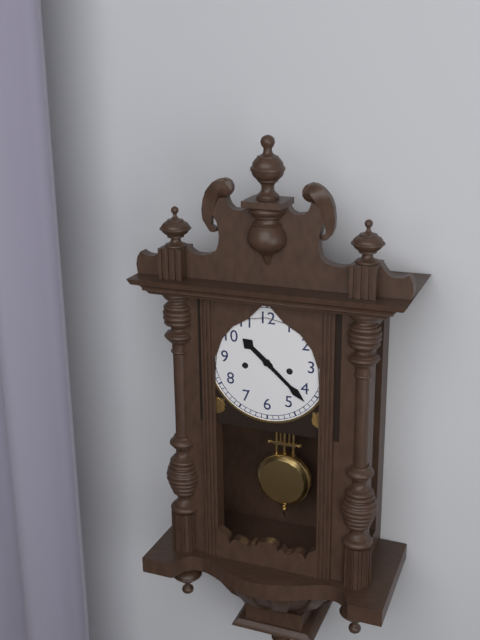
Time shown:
**10:22**
